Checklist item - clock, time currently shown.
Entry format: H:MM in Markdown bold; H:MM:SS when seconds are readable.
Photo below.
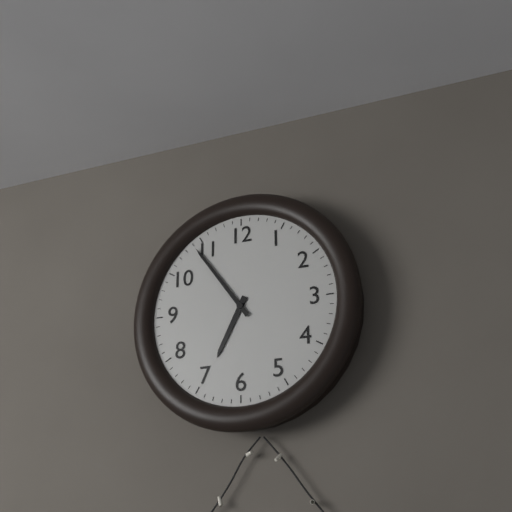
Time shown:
**6:54**
